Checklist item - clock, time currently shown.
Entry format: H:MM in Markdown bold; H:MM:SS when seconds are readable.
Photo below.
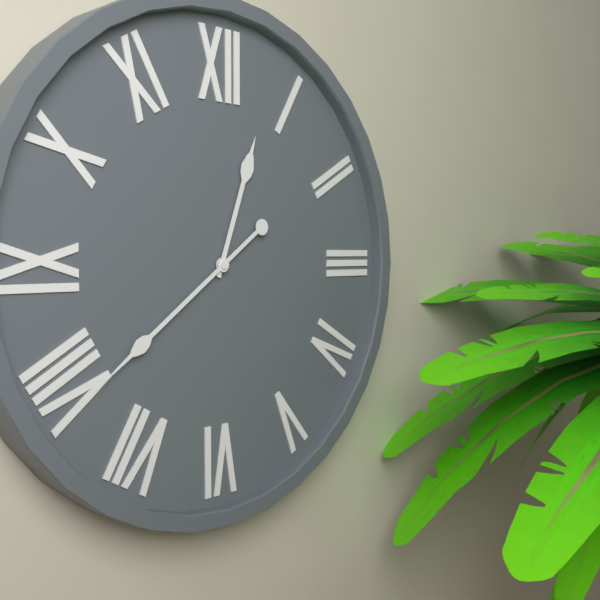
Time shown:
**12:39**
